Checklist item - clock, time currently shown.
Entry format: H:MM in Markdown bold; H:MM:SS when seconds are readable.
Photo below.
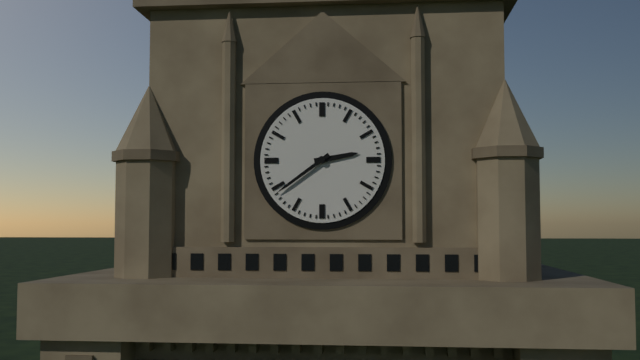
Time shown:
**2:39**
